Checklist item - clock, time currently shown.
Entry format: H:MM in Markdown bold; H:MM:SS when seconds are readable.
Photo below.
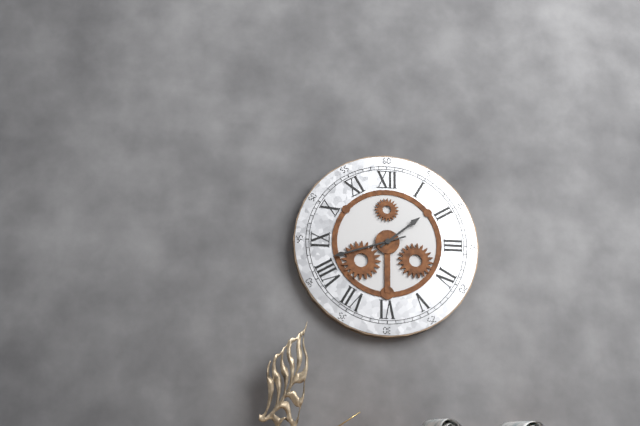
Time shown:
**1:42**
